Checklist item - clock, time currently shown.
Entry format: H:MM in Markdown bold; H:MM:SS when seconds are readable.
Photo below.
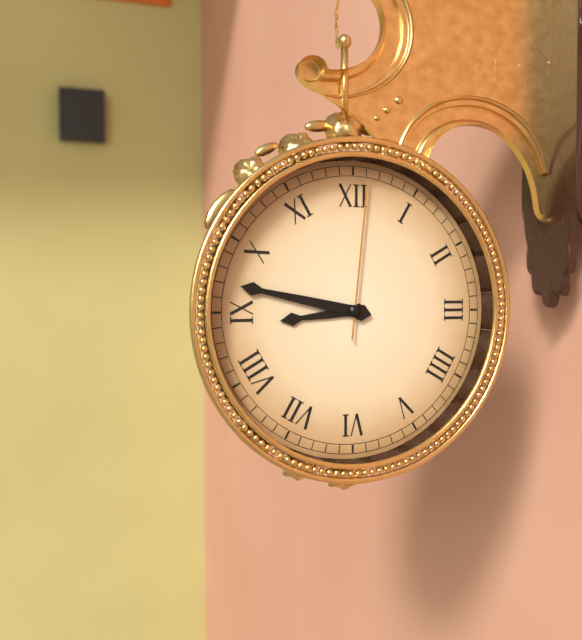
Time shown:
**8:47:01**
